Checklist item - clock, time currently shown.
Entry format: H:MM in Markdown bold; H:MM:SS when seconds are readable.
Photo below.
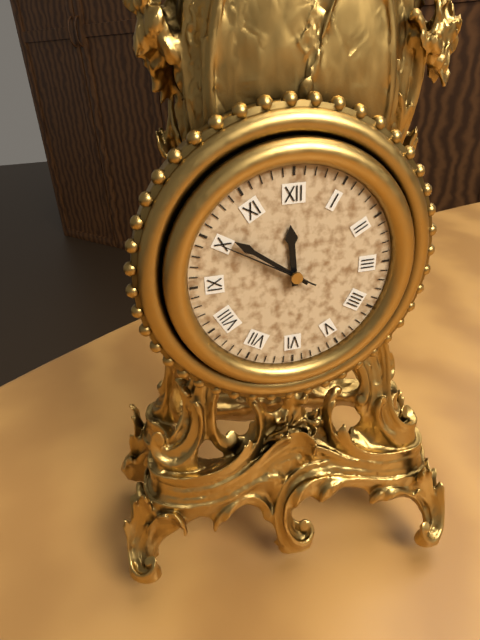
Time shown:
**11:51:50**
